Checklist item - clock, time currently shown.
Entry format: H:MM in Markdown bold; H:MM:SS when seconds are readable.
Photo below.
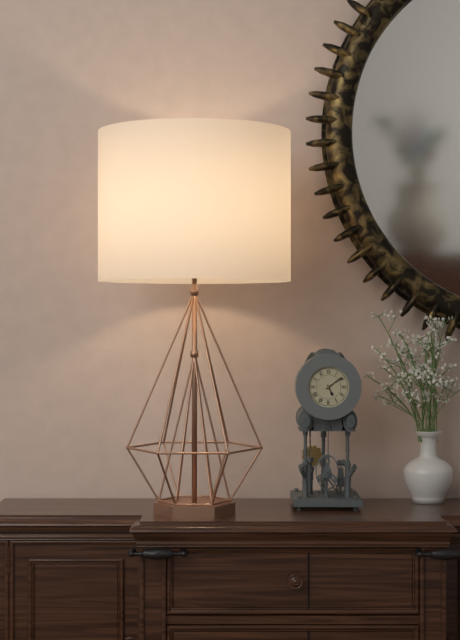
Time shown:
**5:09**
